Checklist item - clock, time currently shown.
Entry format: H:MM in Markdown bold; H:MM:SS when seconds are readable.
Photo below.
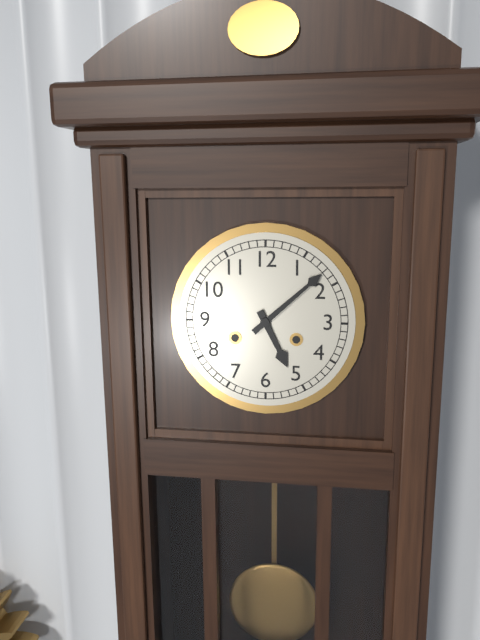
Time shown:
**5:08**
